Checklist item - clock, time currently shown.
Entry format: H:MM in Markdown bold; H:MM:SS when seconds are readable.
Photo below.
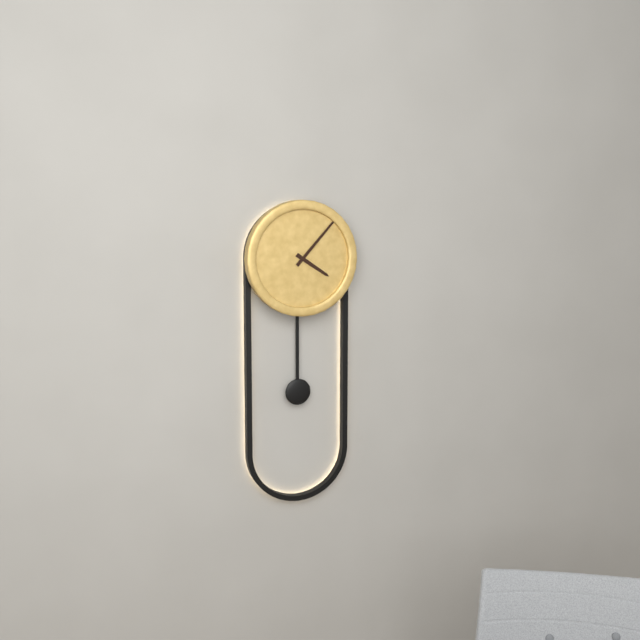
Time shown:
**4:07**
